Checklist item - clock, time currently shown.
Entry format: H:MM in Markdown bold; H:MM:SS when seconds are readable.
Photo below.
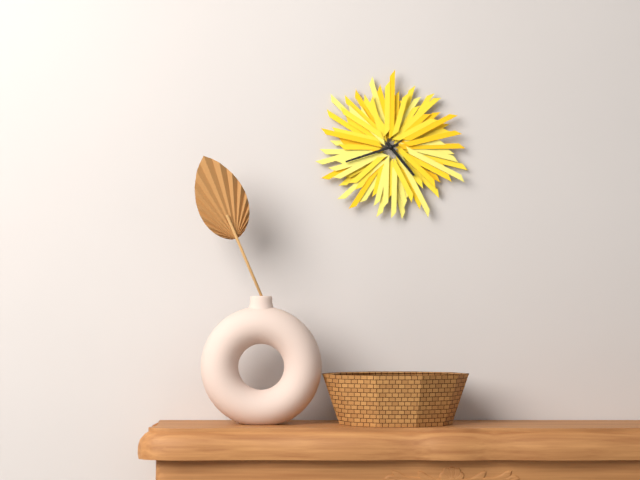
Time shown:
**4:42**
